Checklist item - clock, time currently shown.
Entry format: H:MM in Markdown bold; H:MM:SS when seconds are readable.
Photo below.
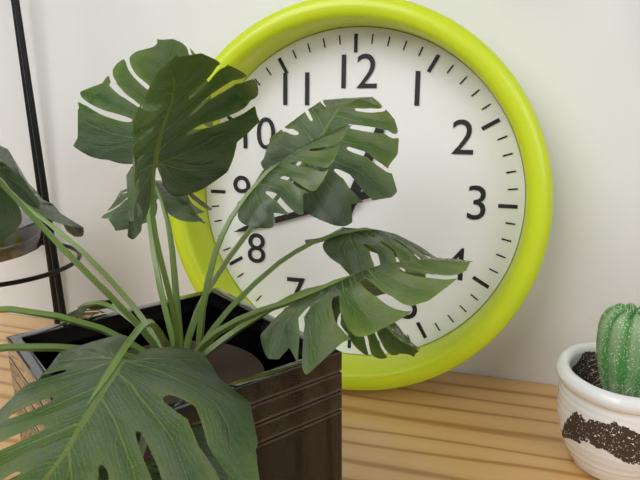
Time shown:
**12:42**
